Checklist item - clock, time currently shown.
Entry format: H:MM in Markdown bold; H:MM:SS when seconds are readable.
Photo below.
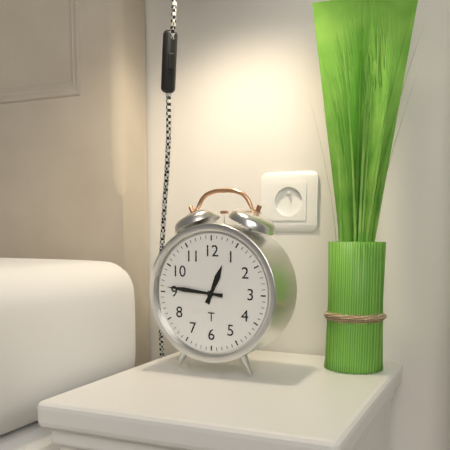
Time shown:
**12:46**
